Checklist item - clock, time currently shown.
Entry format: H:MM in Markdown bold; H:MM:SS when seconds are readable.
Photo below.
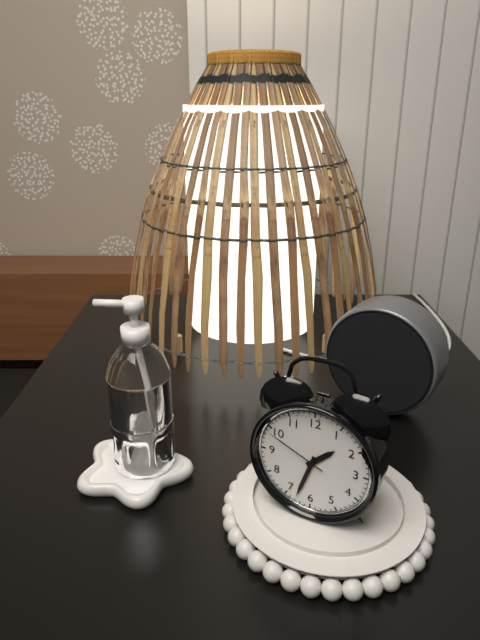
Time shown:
**1:33:49**
